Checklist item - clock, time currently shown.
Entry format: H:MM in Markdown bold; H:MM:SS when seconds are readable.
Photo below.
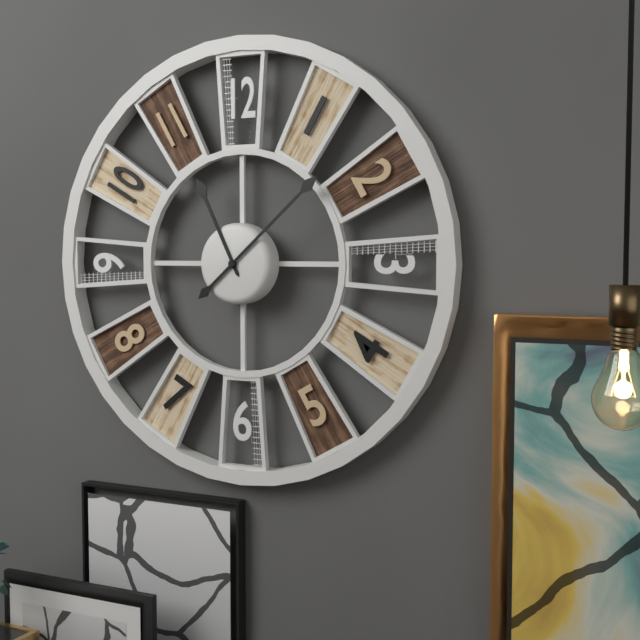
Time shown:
**11:08**
